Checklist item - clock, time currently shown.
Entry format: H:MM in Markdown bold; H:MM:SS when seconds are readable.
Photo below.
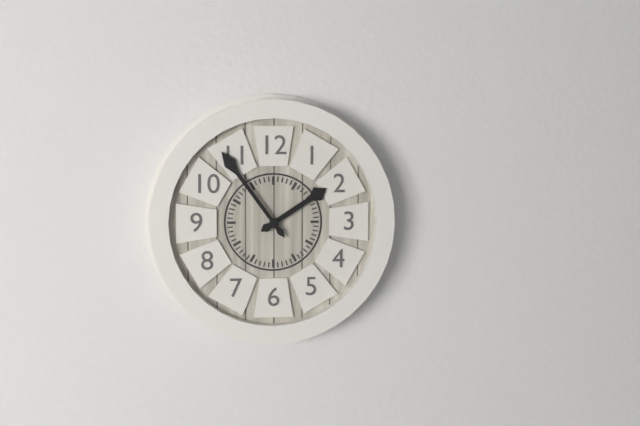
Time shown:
**1:54**
